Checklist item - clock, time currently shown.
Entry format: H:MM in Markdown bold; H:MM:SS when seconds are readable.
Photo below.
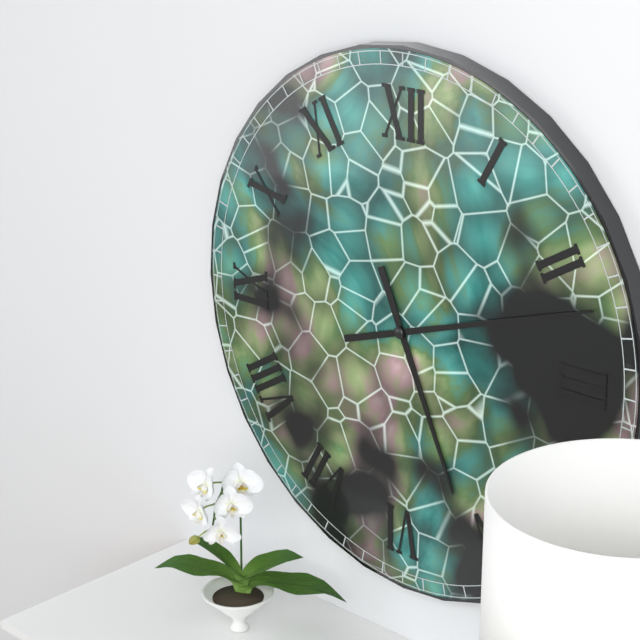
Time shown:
**5:12**
